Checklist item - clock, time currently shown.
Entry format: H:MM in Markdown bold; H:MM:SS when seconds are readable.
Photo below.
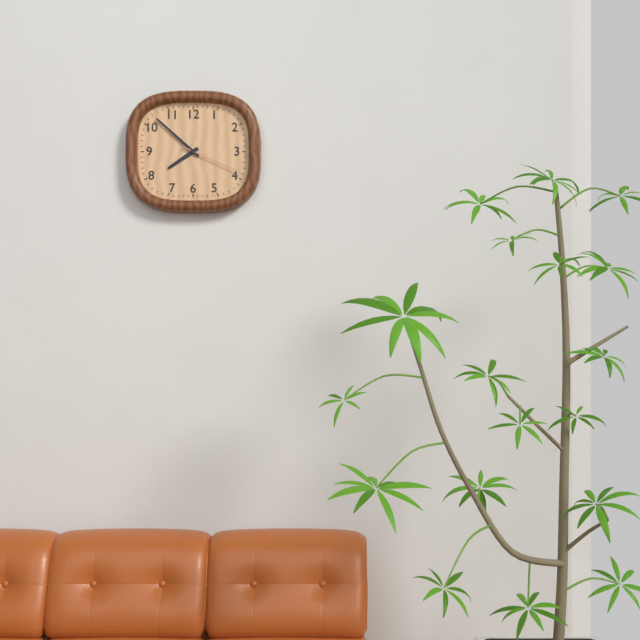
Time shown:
**7:52:19**
